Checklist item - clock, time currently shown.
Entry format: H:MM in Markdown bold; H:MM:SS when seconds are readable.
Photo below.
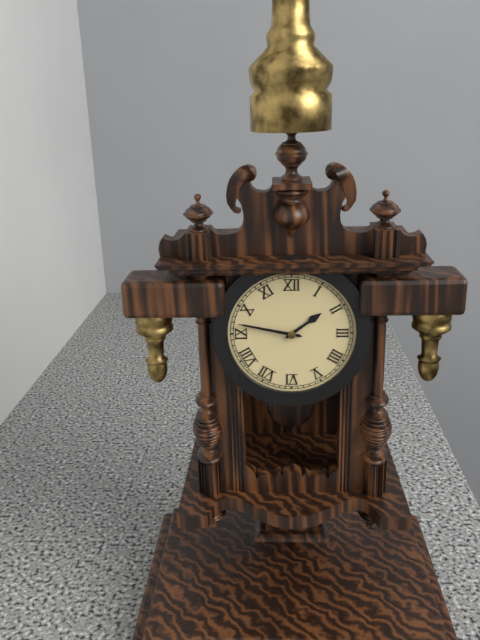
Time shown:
**1:47**
